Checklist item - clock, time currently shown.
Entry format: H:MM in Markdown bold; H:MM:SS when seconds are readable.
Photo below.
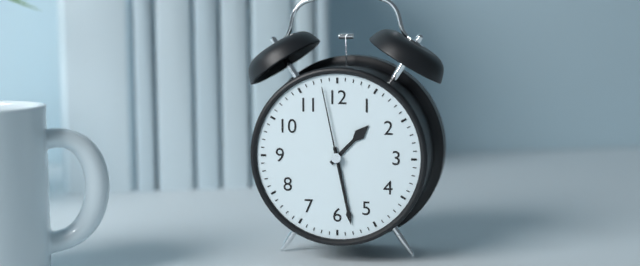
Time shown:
**1:28:58**
